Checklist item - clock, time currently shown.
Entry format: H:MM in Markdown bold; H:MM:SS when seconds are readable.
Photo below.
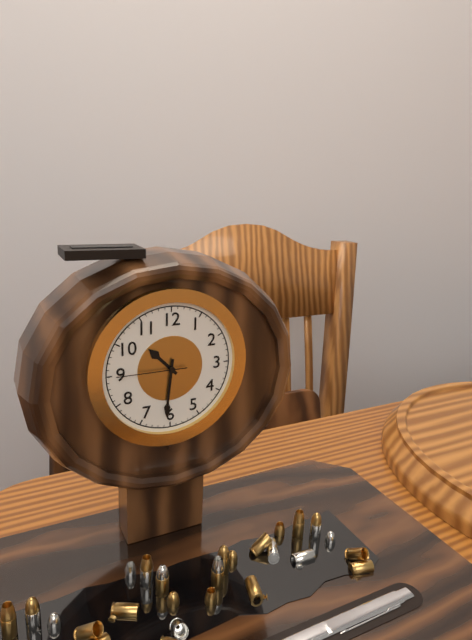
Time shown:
**10:31:45**
